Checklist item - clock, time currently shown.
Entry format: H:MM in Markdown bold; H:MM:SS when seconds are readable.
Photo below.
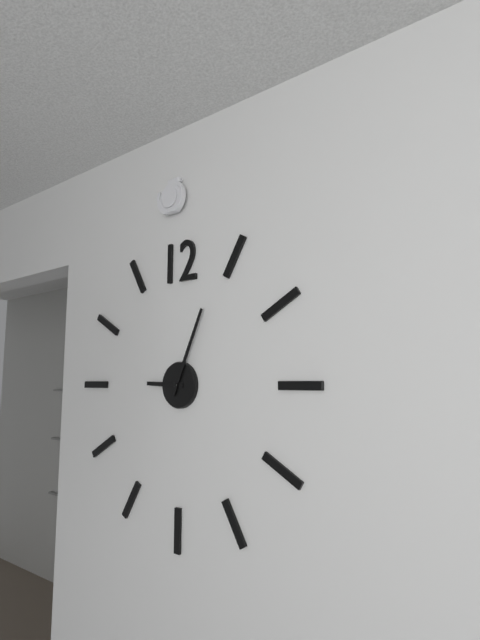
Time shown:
**9:04**
